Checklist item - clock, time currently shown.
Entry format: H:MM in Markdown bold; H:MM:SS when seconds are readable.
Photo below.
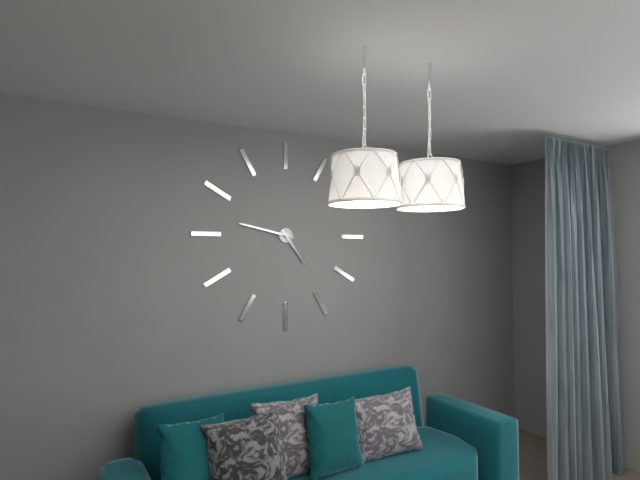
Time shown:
**4:47**
